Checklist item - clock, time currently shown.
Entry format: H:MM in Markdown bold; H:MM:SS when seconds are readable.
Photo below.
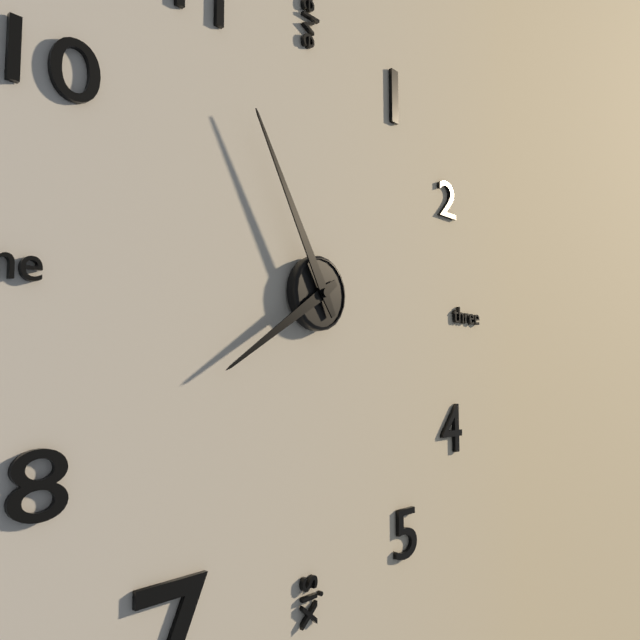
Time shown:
**7:55**
